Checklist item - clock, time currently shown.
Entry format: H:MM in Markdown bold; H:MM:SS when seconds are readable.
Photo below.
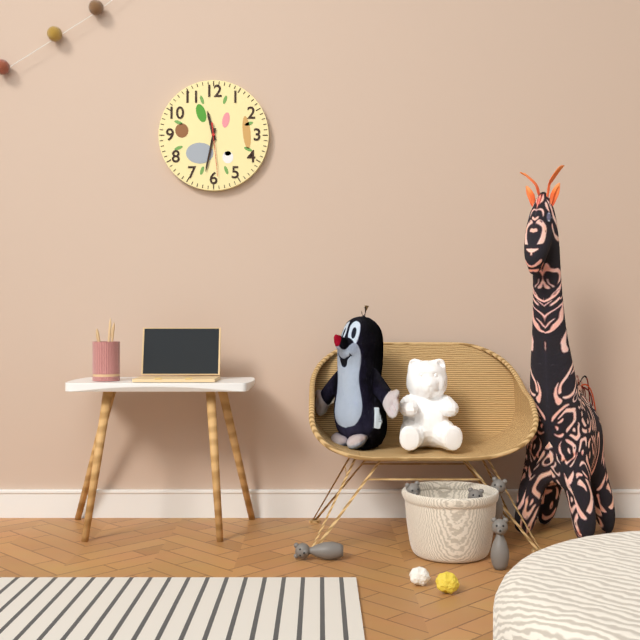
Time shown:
**11:32:29**
